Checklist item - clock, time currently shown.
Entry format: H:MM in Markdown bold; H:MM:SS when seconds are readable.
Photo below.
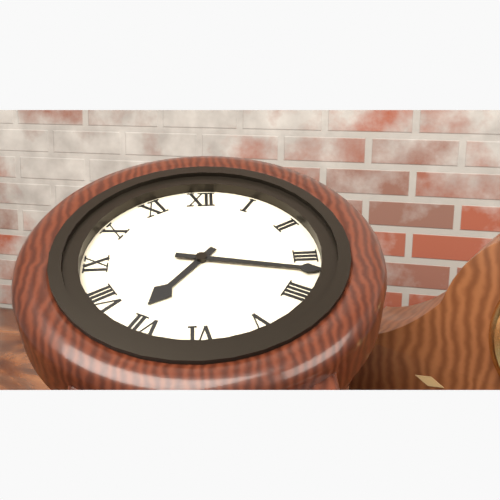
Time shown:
**7:17**
